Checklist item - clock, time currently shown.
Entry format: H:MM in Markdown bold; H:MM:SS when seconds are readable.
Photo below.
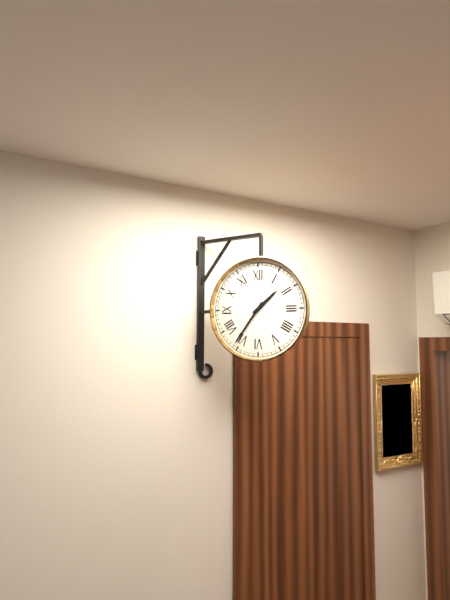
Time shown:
**1:36**
